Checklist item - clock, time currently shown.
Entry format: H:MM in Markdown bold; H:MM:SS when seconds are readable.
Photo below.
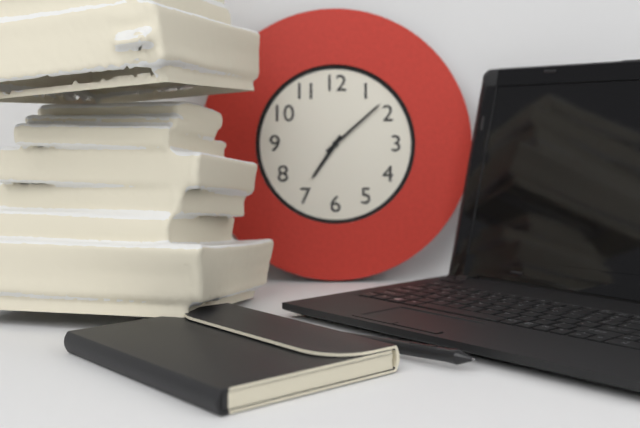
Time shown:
**7:08**
